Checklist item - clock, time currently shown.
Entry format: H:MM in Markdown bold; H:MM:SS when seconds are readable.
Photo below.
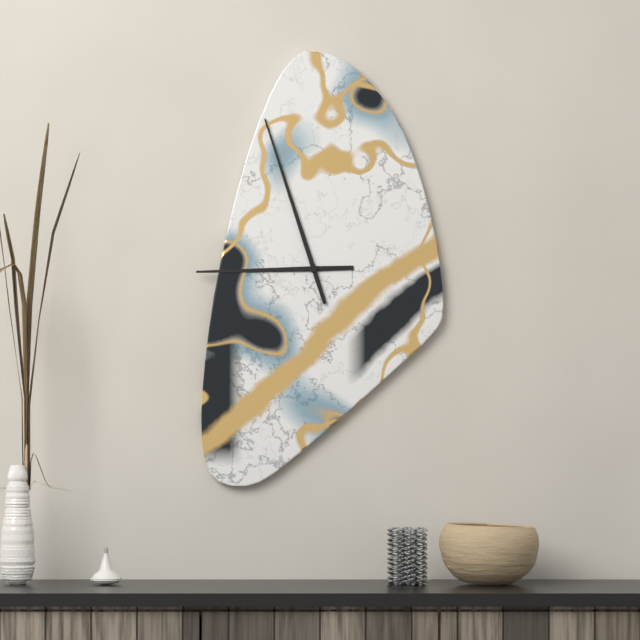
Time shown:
**8:57**
